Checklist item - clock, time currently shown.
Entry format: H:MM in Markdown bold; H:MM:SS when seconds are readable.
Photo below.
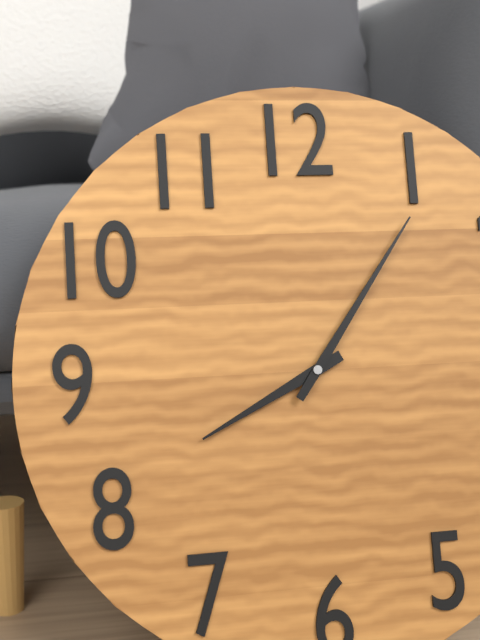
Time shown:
**8:06**
